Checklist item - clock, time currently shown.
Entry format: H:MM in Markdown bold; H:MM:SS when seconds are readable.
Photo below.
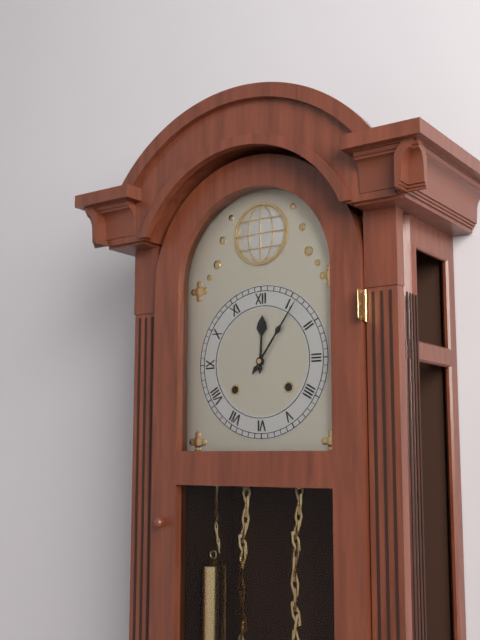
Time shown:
**12:06**
